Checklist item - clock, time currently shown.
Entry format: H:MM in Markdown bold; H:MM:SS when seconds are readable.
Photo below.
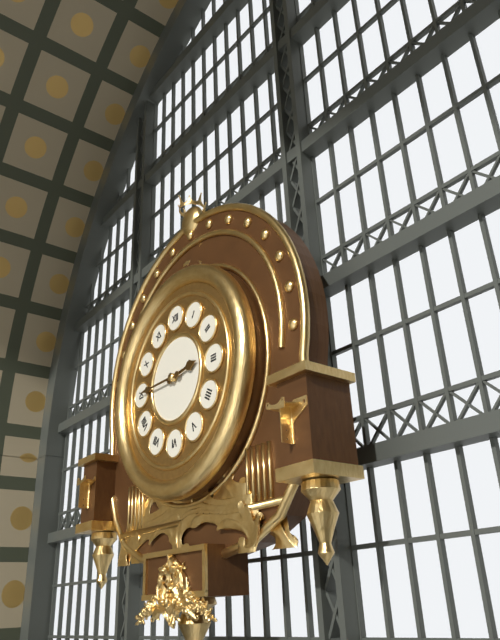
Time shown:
**2:45**
